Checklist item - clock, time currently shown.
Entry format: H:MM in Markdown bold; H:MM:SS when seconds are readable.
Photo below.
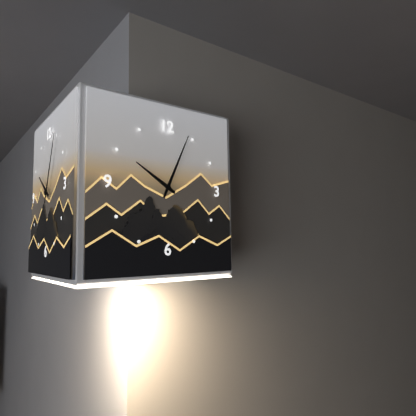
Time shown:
**10:04**
